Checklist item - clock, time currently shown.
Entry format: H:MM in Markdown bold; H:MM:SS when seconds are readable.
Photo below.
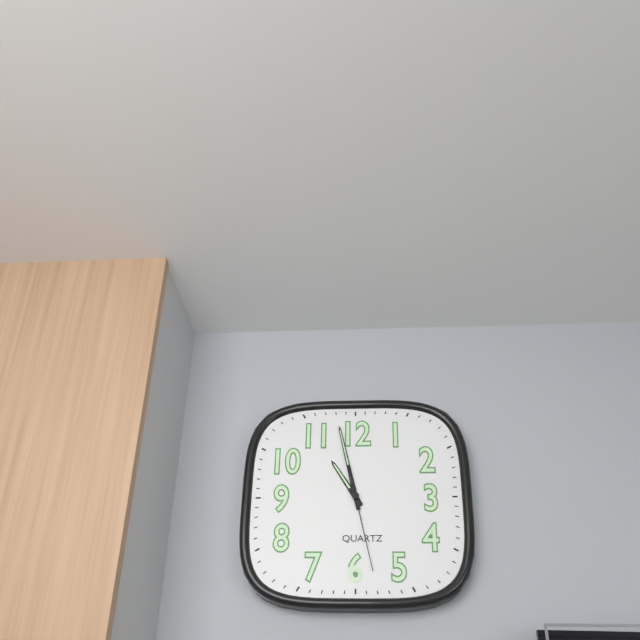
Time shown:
**10:58:28**
